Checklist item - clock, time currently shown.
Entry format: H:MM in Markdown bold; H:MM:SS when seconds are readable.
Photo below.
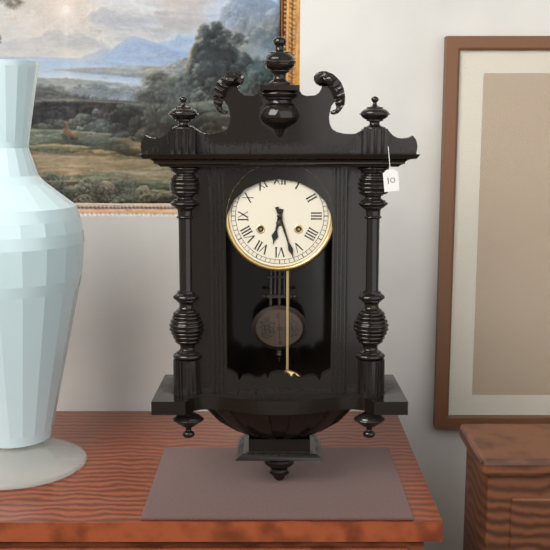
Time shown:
**6:27**
